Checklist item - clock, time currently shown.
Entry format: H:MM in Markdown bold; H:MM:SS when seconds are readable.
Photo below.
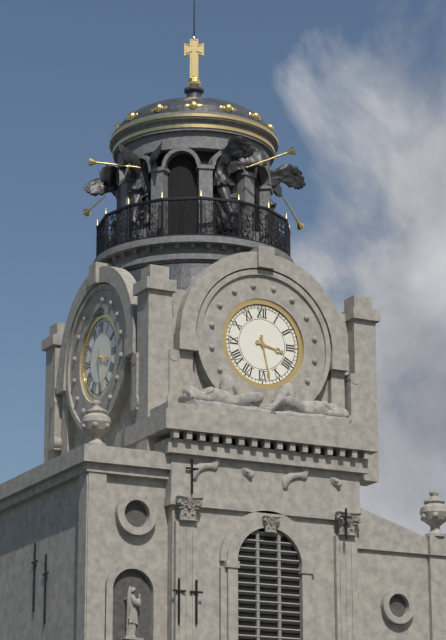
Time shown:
**3:28**
